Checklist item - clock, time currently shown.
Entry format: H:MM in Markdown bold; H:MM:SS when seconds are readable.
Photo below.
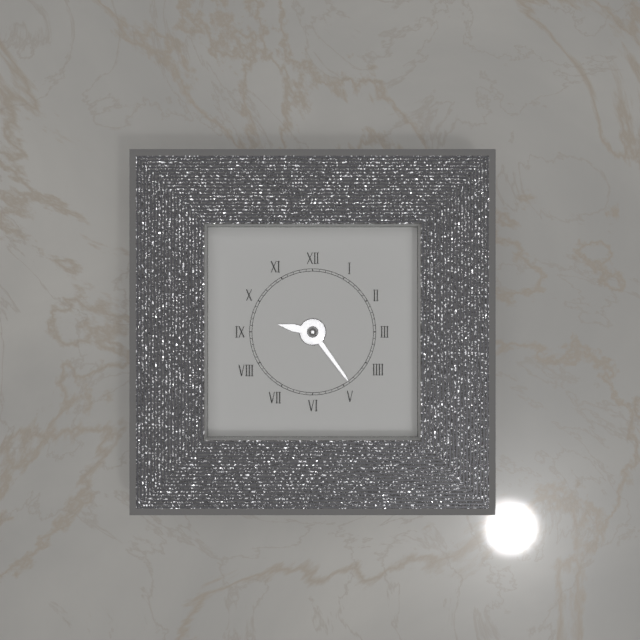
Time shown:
**9:24**
